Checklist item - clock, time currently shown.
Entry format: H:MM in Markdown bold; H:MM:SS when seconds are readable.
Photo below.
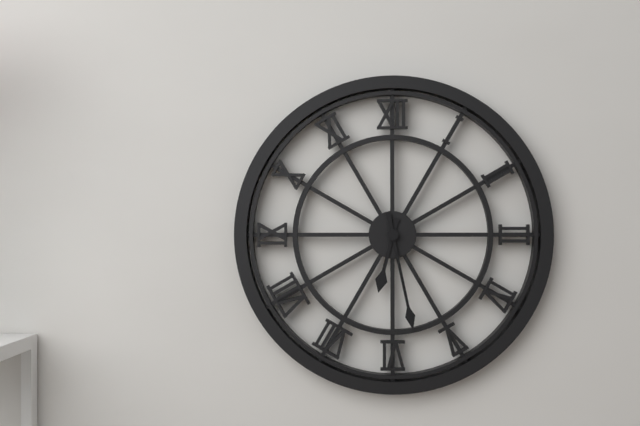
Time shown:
**6:28**
